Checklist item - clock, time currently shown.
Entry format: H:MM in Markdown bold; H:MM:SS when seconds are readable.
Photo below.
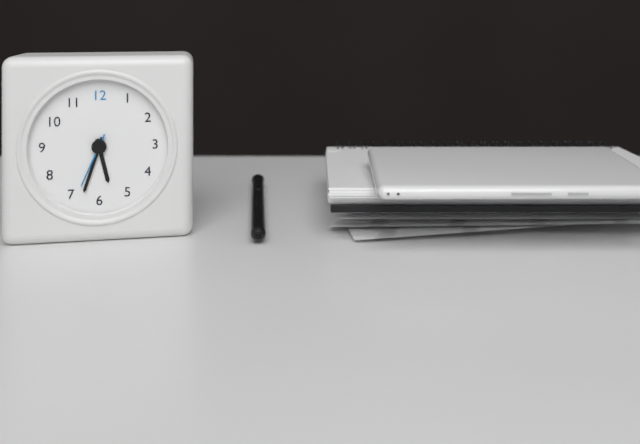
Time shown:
**5:33:34**
